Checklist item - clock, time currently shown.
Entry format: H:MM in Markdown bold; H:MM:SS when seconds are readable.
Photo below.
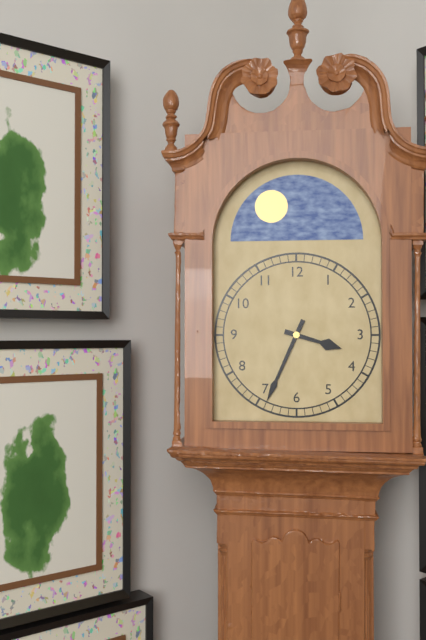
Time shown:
**3:34**
